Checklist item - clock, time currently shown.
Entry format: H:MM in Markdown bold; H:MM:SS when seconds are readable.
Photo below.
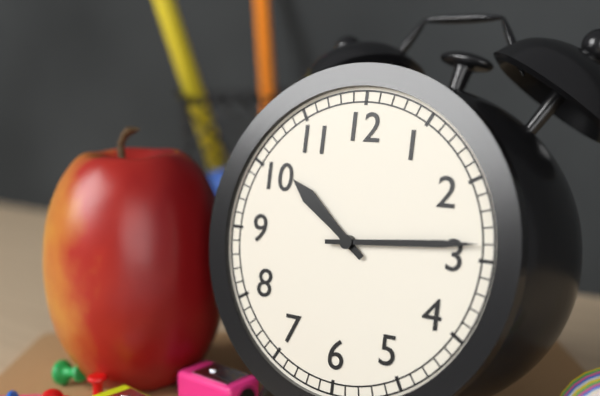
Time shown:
**10:14**
